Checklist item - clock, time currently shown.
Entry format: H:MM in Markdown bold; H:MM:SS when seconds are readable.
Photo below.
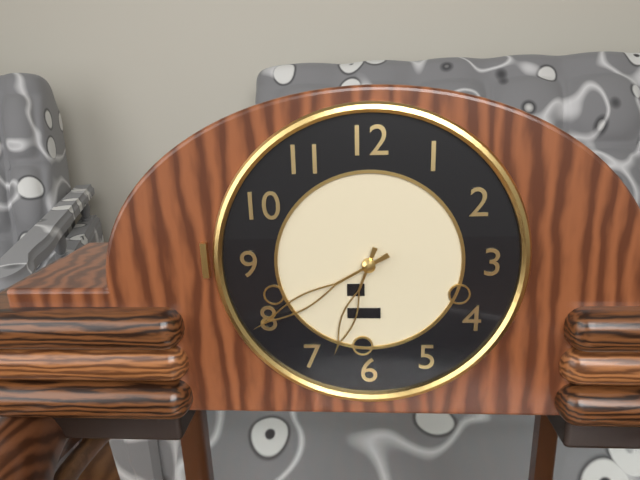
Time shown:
**6:40**
